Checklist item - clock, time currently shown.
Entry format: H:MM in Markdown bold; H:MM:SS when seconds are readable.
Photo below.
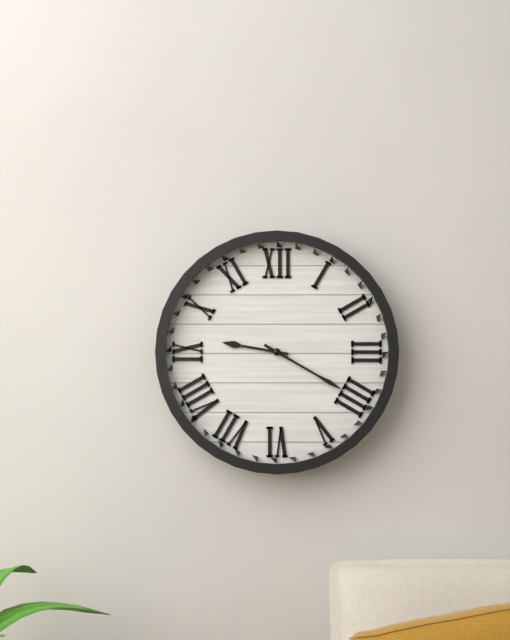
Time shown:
**9:20**
